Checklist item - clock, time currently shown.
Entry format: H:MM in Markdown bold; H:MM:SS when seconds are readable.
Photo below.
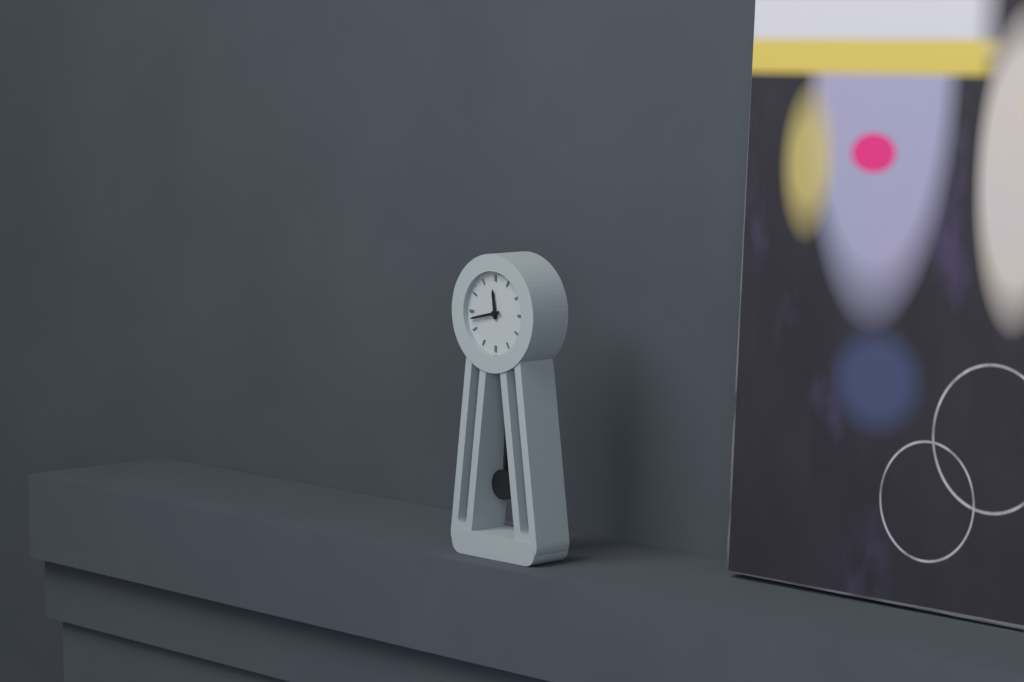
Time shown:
**11:43**
